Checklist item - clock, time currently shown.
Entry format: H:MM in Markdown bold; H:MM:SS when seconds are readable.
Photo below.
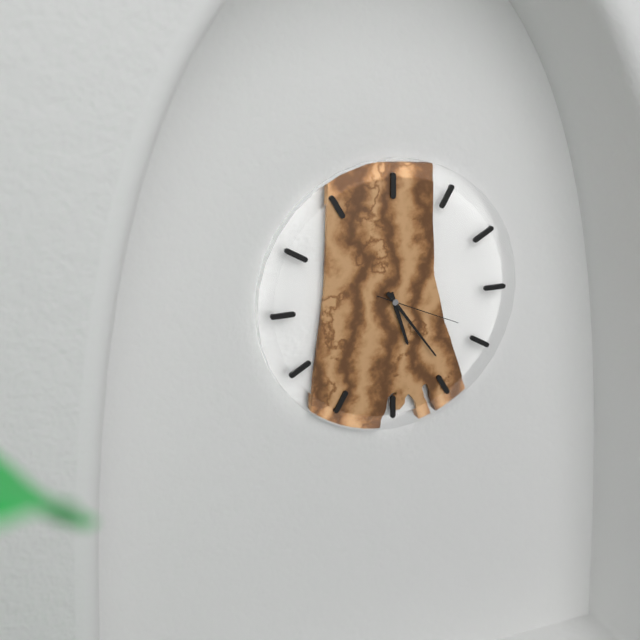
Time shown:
**5:24:19**
